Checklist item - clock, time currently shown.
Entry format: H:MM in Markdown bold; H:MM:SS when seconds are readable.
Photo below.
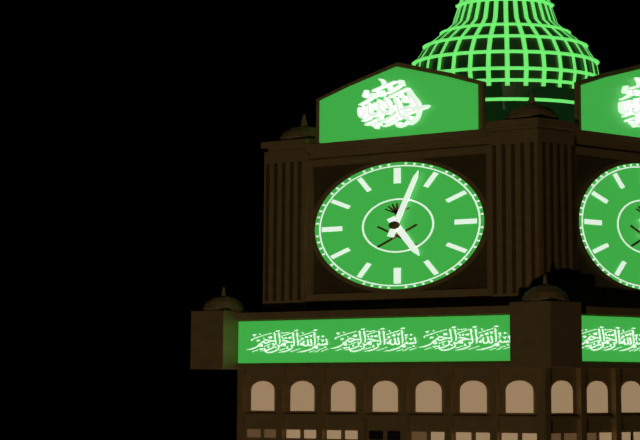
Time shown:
**5:03**
